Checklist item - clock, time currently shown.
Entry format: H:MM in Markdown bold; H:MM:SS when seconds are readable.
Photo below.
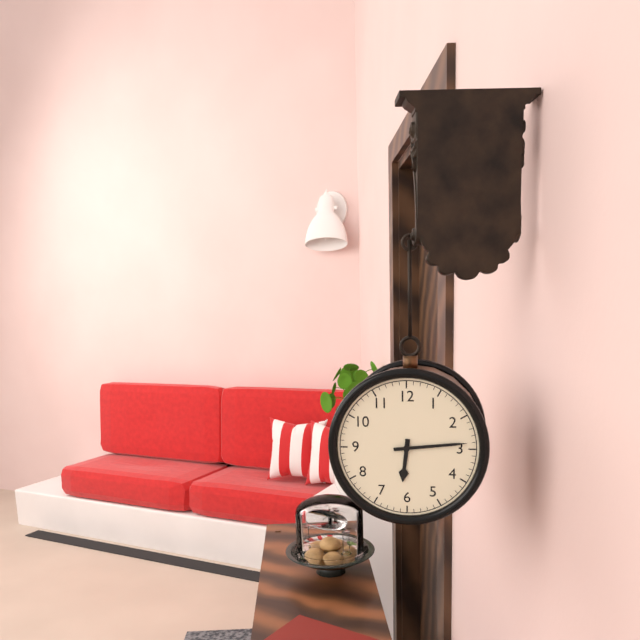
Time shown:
**6:14**
